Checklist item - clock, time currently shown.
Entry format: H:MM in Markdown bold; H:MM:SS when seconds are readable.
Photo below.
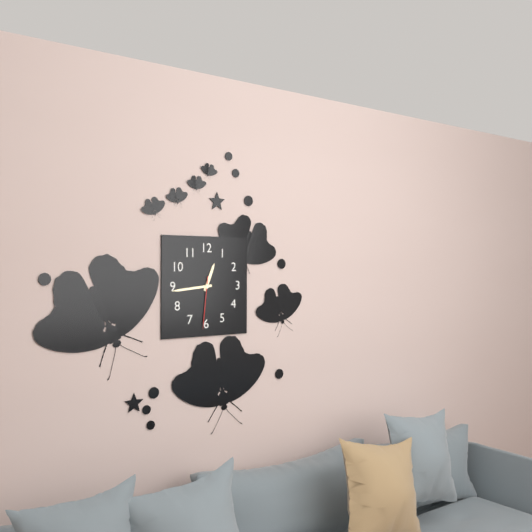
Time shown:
**12:44:31**
